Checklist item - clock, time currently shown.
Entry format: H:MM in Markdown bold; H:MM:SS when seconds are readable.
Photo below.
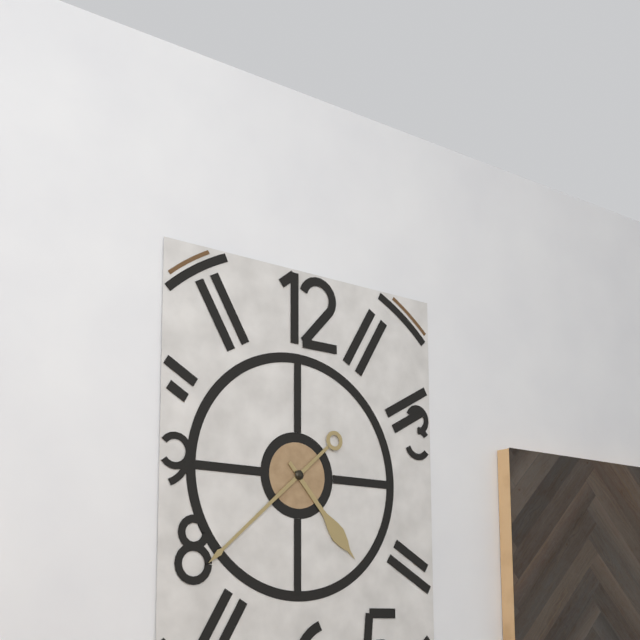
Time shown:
**4:38**
